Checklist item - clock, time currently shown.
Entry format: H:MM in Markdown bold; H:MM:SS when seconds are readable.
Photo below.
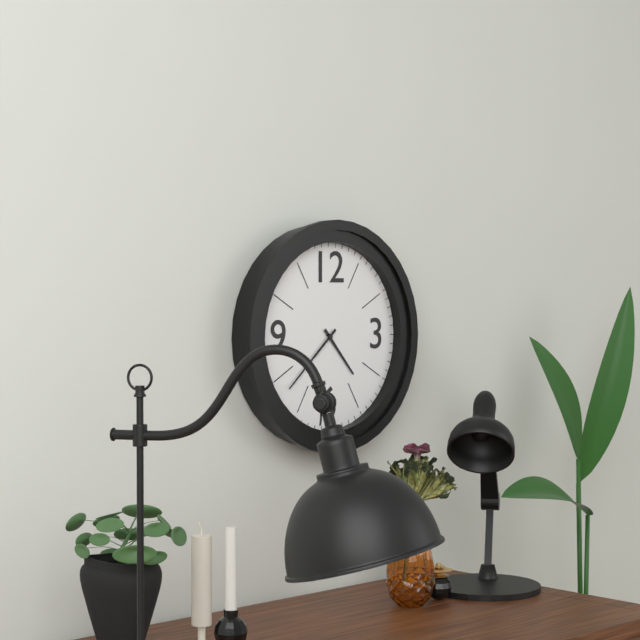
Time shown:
**4:38**
